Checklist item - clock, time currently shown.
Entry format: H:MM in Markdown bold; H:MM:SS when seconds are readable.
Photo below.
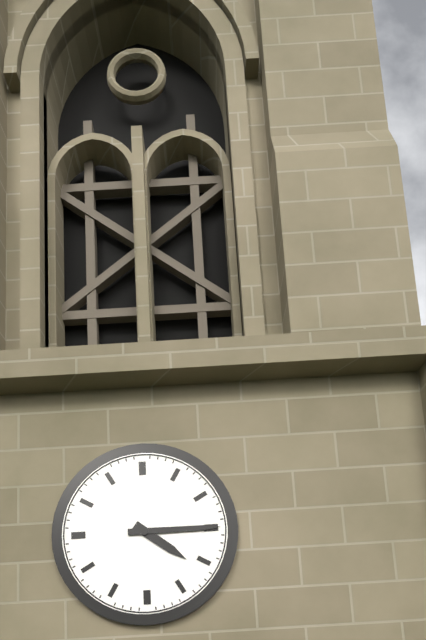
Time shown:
**4:15**
